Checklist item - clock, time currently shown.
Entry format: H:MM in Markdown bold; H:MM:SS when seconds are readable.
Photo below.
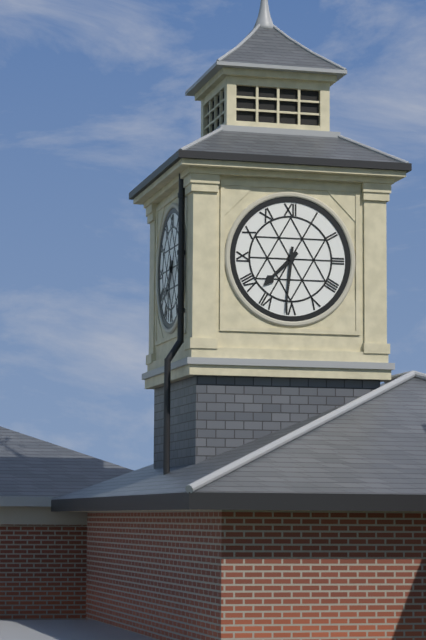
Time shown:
**7:31**
